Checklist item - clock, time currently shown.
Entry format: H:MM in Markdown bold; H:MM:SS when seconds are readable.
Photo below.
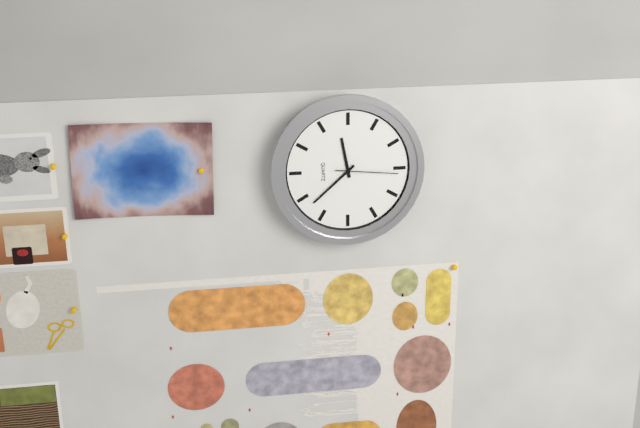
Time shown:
**11:38:16**
